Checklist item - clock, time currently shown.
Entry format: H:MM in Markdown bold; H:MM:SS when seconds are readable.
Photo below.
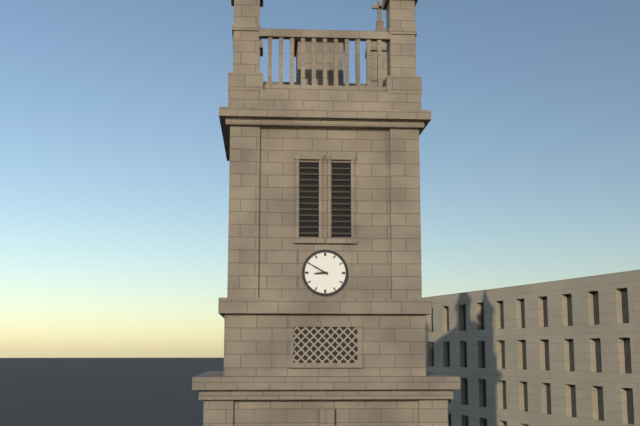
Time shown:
**8:50**
